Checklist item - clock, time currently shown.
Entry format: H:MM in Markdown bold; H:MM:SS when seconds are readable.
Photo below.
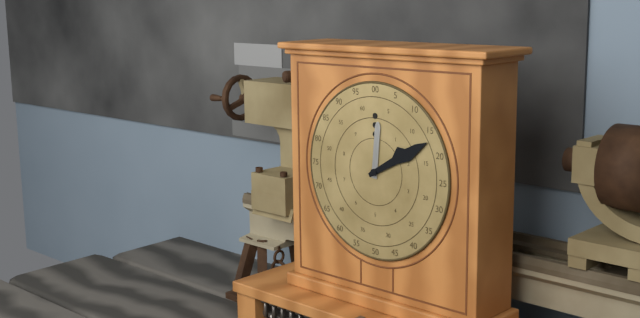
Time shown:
**12:10**
